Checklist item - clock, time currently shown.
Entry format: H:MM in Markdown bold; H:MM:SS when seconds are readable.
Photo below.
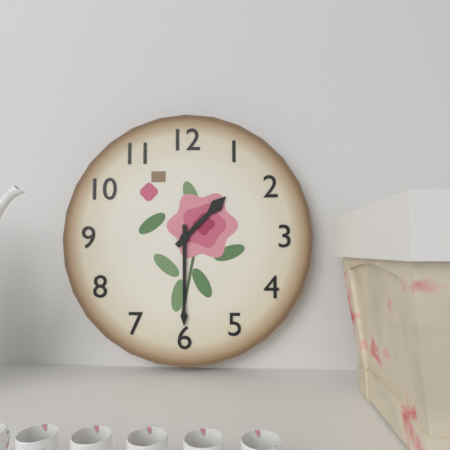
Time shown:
**1:30**
